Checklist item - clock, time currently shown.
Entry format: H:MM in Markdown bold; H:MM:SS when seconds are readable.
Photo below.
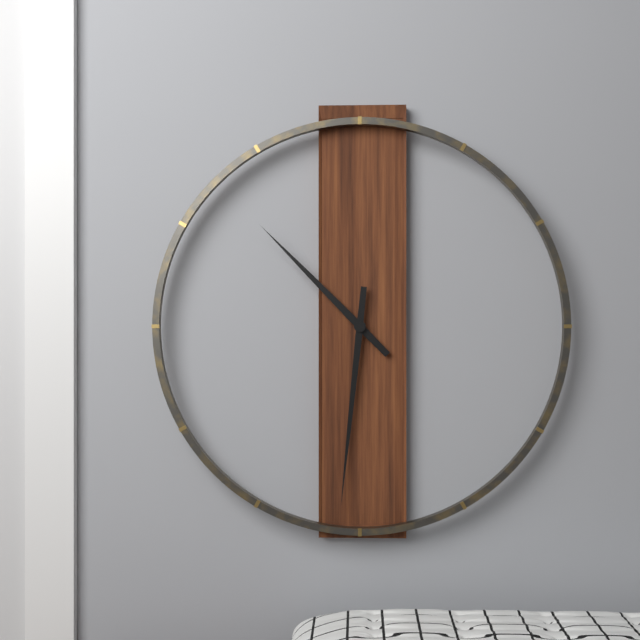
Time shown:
**10:31**
